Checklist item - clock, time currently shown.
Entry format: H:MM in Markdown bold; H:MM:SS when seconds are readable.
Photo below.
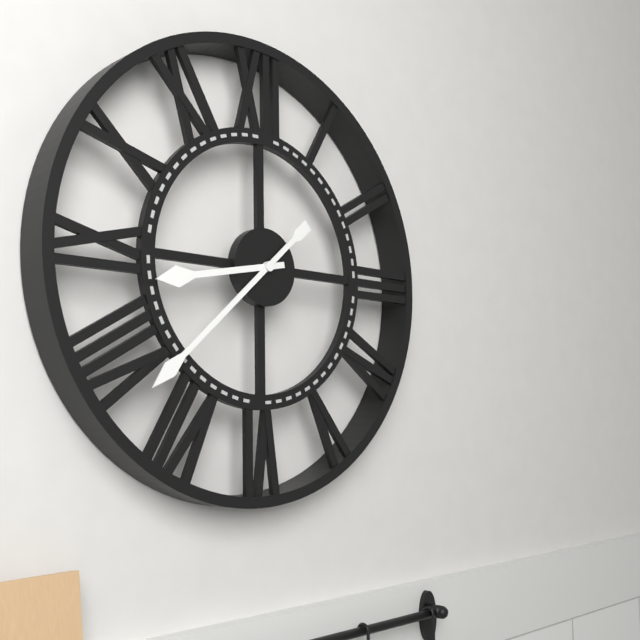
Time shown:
**8:38**
